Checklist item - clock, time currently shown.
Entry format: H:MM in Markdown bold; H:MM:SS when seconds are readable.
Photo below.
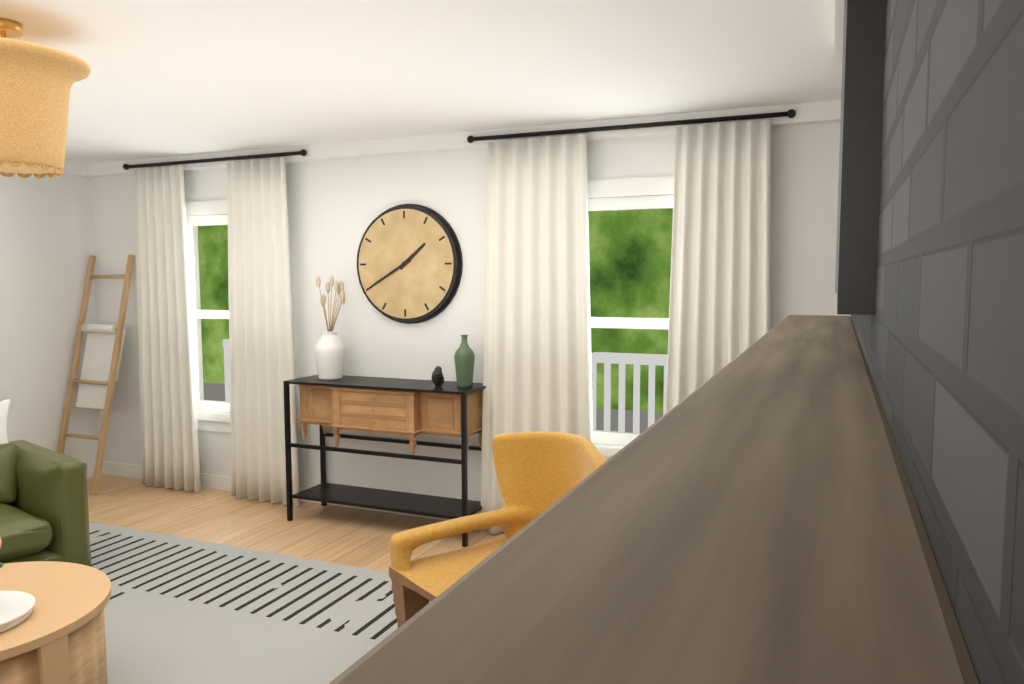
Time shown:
**1:40**
